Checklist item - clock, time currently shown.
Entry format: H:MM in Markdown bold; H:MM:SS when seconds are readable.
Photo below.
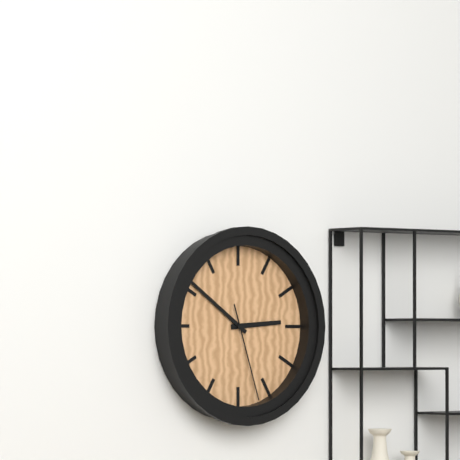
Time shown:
**2:51:27**
